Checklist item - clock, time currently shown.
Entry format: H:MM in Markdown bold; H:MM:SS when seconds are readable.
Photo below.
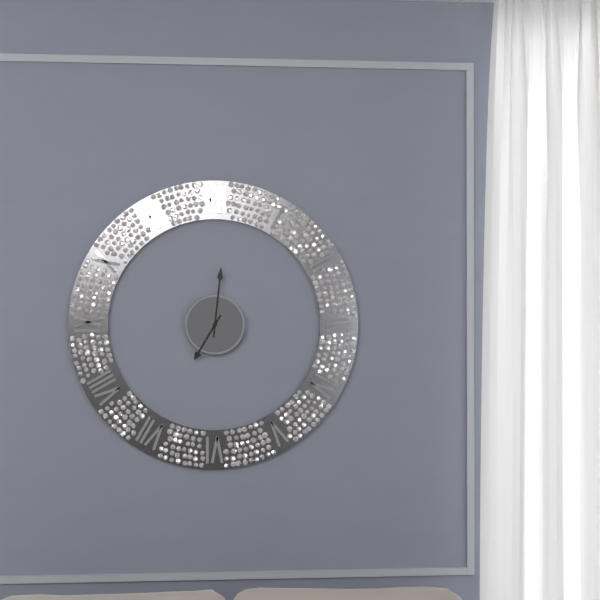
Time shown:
**7:01**
